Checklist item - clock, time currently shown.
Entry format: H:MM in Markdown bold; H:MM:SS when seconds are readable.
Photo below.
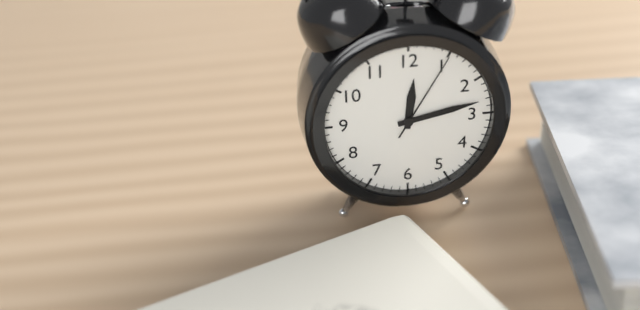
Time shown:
**12:13:05**
